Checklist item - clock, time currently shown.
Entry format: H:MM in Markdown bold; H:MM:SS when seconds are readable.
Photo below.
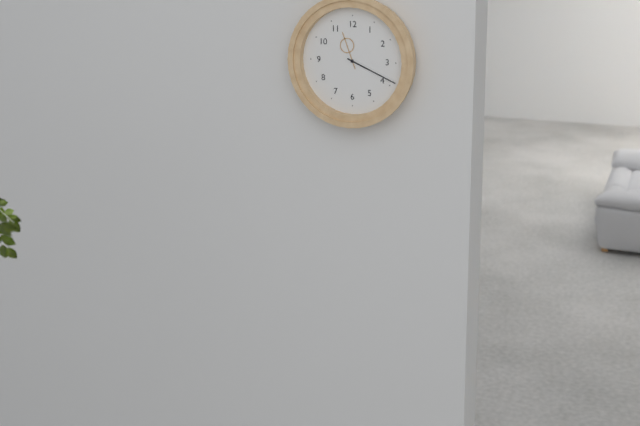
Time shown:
**11:19**
